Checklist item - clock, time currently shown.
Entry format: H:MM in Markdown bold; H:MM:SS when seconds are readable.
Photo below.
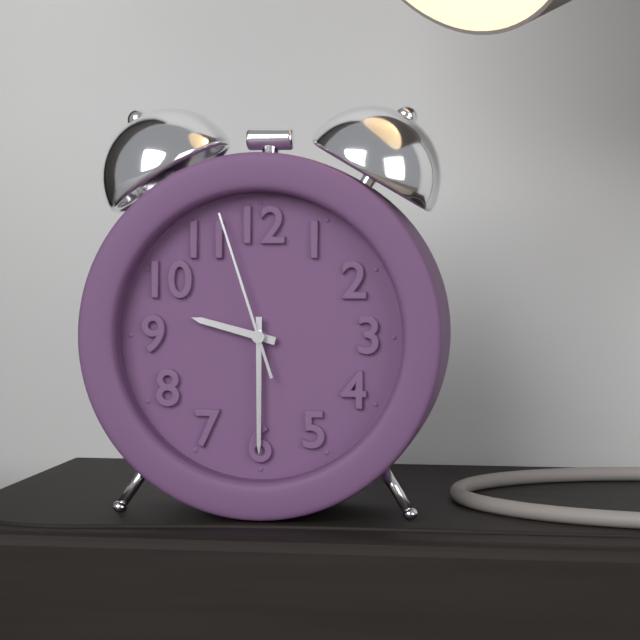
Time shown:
**9:30:57**
